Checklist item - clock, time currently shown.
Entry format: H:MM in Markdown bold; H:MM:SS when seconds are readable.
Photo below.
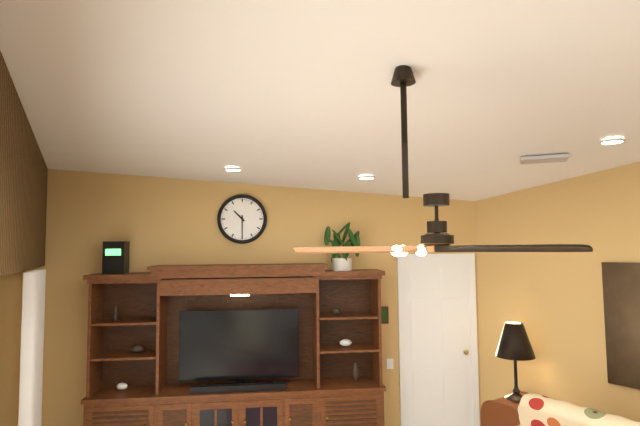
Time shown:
**10:30**
